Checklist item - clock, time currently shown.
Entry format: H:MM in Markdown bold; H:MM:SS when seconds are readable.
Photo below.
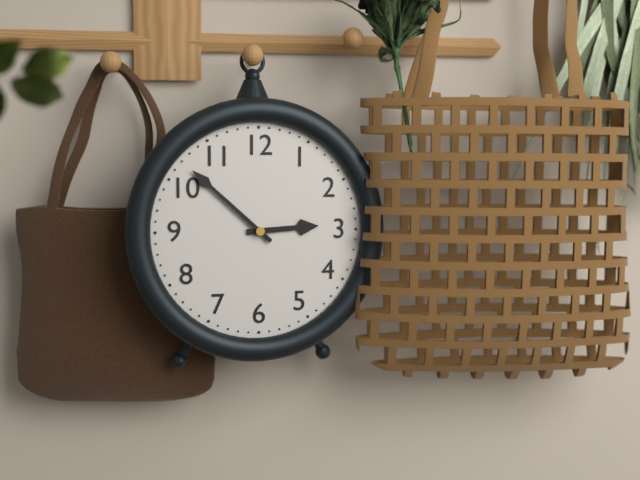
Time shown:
**2:52**
